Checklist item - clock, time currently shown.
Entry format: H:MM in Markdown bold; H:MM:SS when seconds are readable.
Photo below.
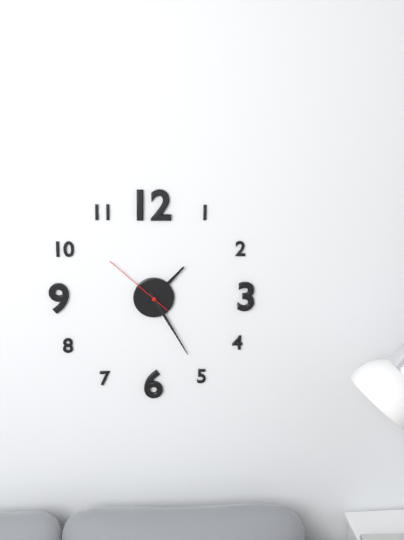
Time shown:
**1:25:52**
